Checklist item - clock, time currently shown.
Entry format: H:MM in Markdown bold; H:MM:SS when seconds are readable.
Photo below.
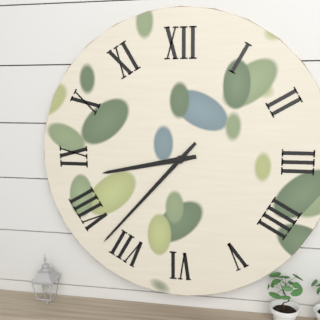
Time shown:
**8:37**
